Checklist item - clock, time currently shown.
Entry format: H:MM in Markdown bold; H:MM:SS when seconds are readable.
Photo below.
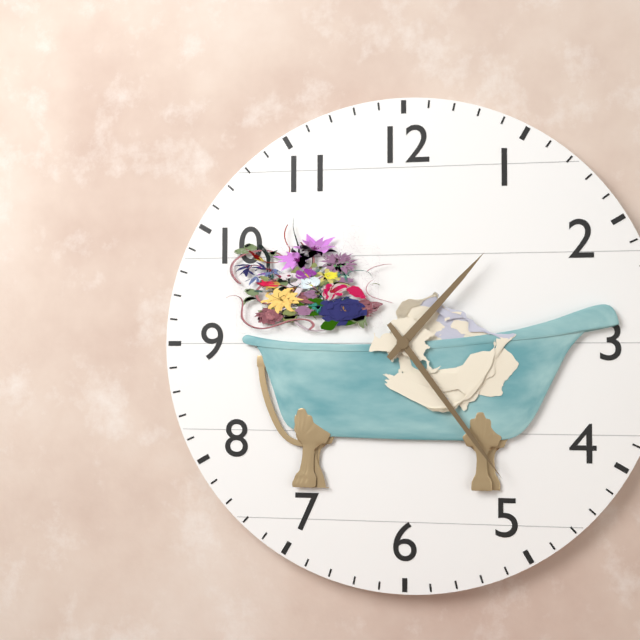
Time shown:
**1:24**
